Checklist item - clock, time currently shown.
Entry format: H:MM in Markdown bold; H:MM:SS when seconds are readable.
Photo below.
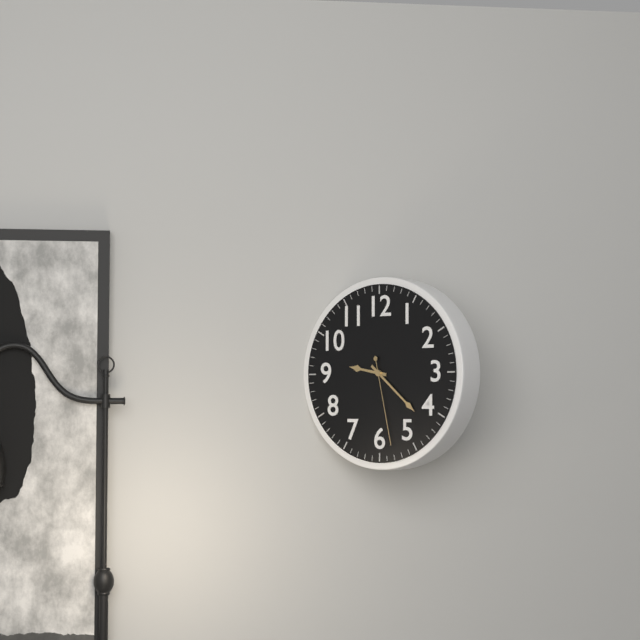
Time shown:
**9:22:28**
